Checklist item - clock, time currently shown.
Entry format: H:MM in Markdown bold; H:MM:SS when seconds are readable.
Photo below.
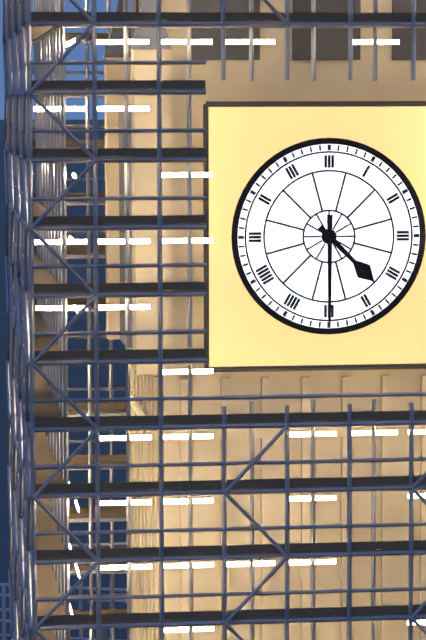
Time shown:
**4:30**
